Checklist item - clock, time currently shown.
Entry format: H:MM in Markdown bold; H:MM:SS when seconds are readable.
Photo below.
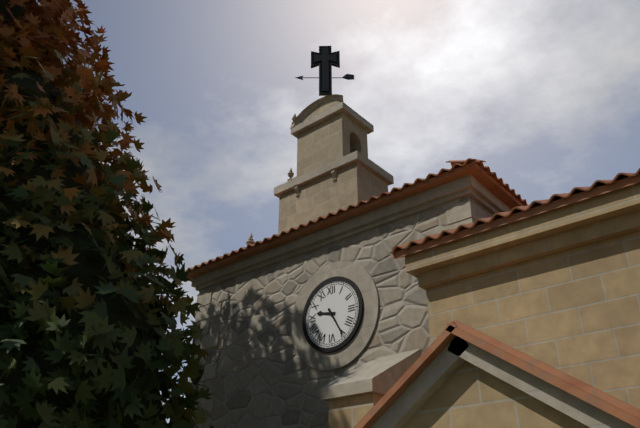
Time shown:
**9:25**
